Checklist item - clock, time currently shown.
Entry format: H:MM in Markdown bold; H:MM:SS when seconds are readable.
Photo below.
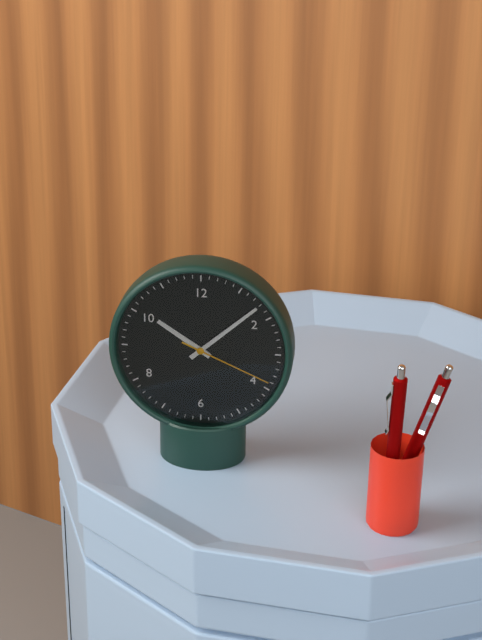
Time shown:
**10:08:19**
